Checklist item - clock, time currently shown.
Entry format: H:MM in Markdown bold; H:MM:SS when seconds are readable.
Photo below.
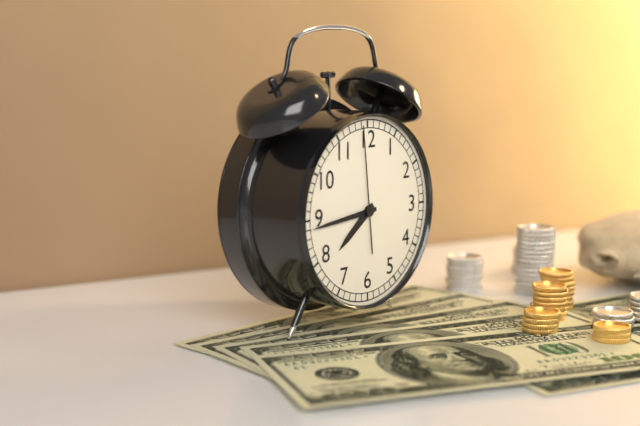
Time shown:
**7:44:59**
